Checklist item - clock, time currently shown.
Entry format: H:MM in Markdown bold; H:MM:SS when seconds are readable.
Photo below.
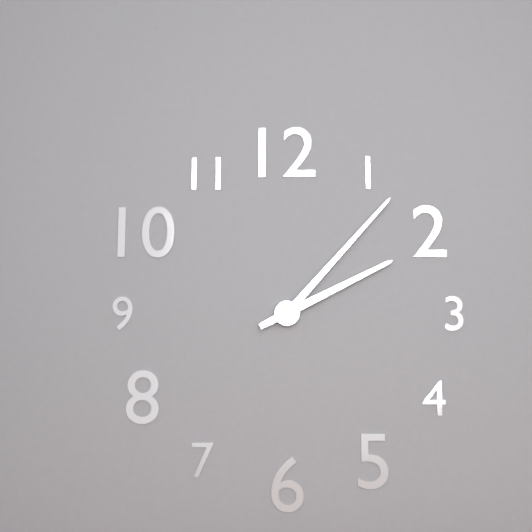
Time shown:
**2:07**
